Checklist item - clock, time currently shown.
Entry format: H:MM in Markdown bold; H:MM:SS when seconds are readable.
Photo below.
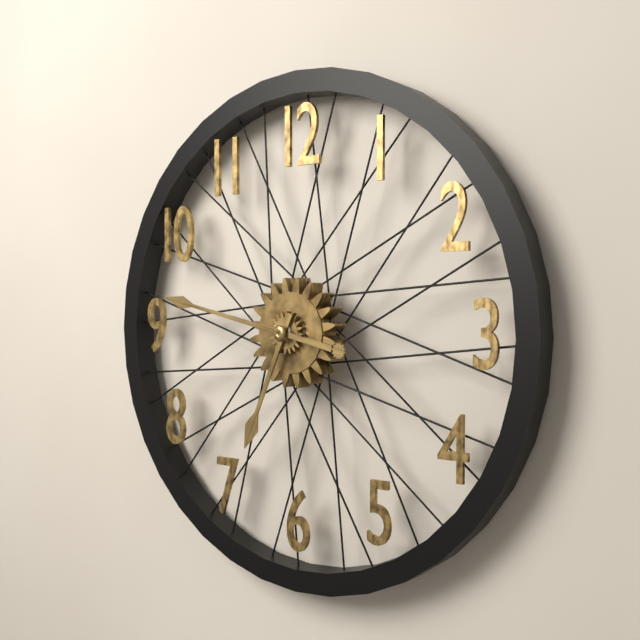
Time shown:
**6:47**
